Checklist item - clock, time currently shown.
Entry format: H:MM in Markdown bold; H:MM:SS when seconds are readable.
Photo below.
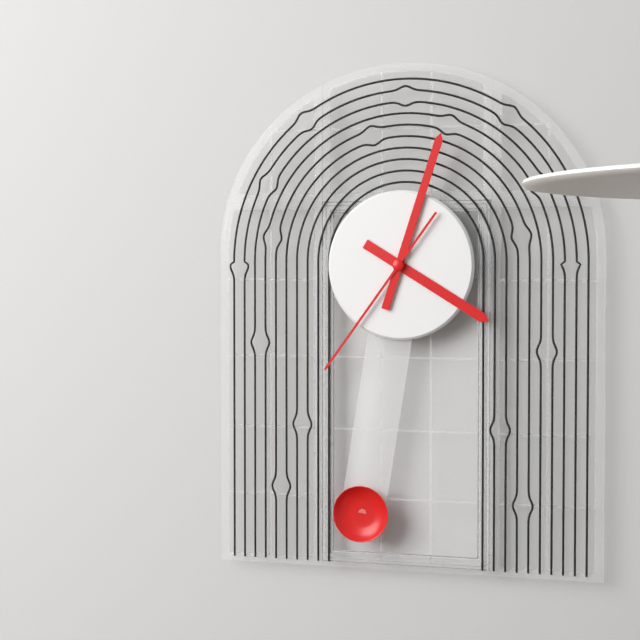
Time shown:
**4:03:36**
